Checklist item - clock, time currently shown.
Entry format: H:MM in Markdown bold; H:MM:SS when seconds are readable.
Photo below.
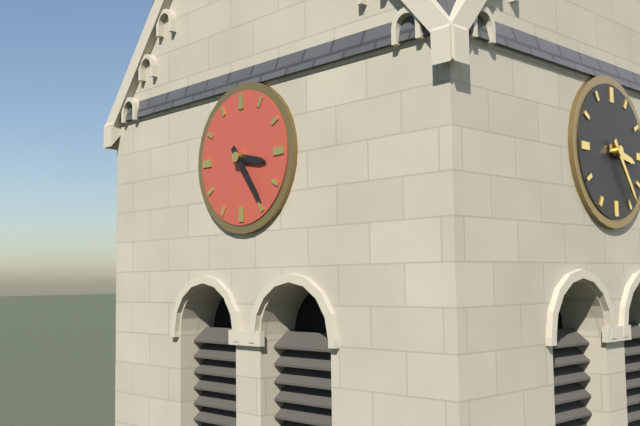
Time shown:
**3:24**
